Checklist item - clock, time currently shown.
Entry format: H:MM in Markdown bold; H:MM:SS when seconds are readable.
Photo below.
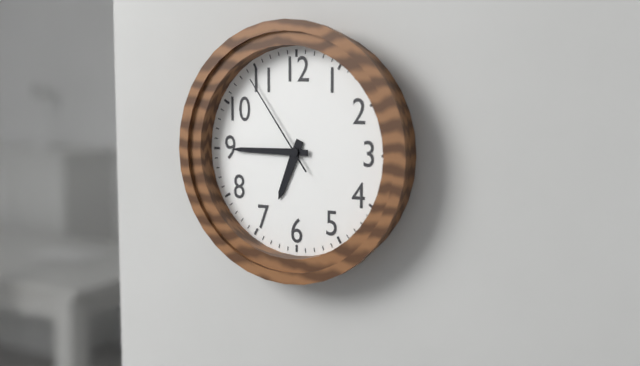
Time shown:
**6:45:54**
